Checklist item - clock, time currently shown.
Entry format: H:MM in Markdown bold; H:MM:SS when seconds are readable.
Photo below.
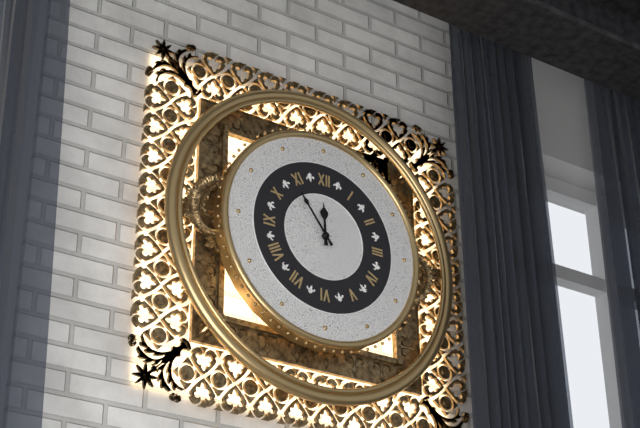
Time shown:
**11:54**
